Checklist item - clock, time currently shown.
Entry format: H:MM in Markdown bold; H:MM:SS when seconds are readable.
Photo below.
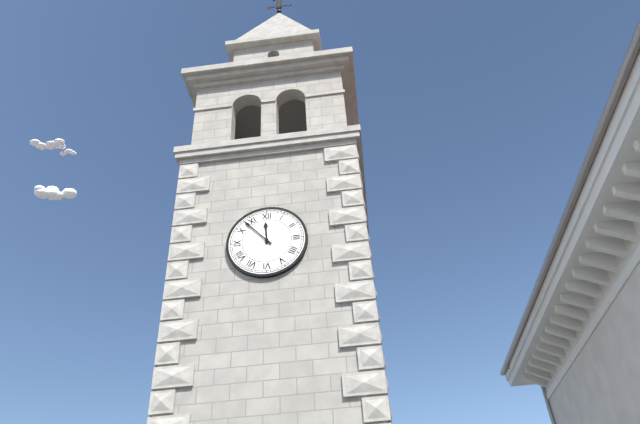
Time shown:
**11:53**
